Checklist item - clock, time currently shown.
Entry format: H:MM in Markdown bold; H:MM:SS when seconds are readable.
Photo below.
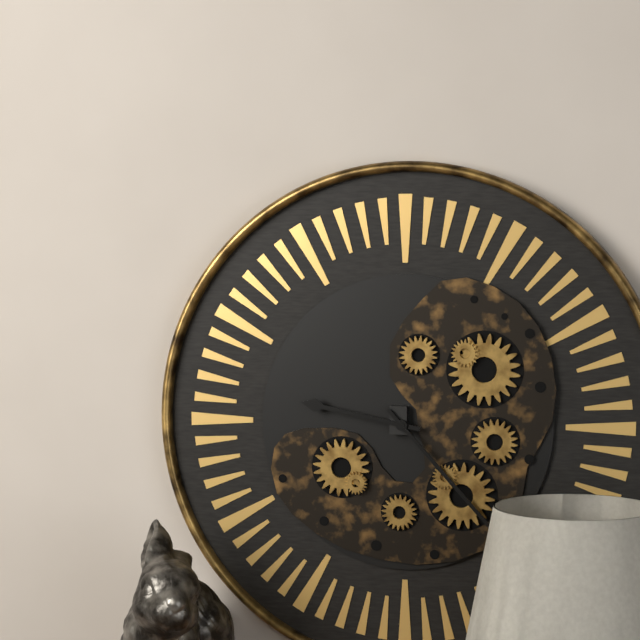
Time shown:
**9:23**
